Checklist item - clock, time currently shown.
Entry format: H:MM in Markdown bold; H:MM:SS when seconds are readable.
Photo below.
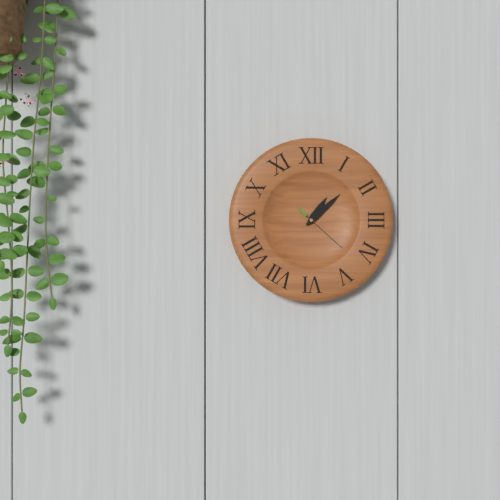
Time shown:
**1:08:22**
